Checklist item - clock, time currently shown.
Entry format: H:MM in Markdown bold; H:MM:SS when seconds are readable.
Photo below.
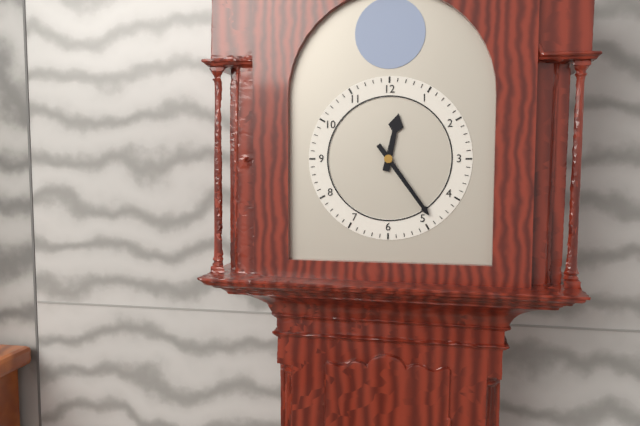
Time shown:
**12:24**
